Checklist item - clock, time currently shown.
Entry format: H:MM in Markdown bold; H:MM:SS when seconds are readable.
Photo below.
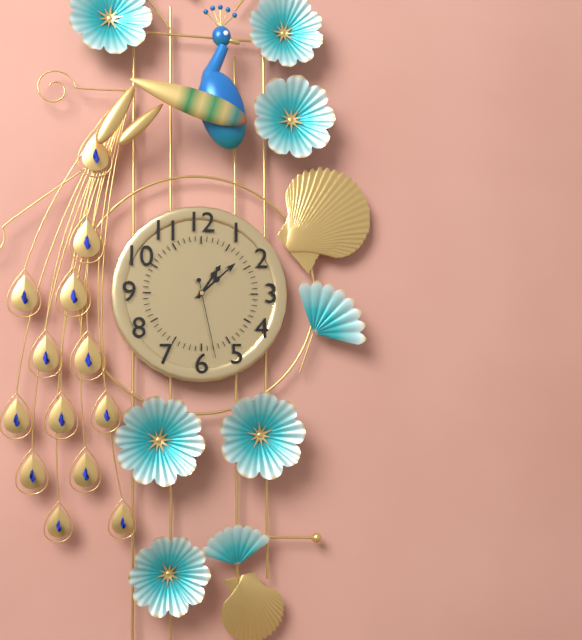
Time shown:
**1:08:28**
